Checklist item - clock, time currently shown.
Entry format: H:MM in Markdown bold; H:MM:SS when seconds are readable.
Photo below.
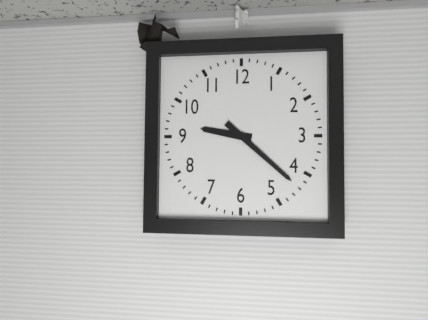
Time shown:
**9:22**
